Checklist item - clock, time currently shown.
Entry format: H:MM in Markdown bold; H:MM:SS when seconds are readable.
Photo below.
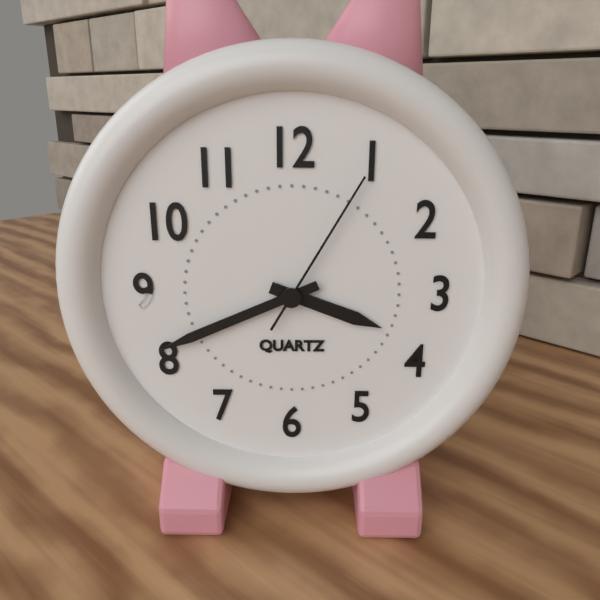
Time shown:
**3:41:05**
